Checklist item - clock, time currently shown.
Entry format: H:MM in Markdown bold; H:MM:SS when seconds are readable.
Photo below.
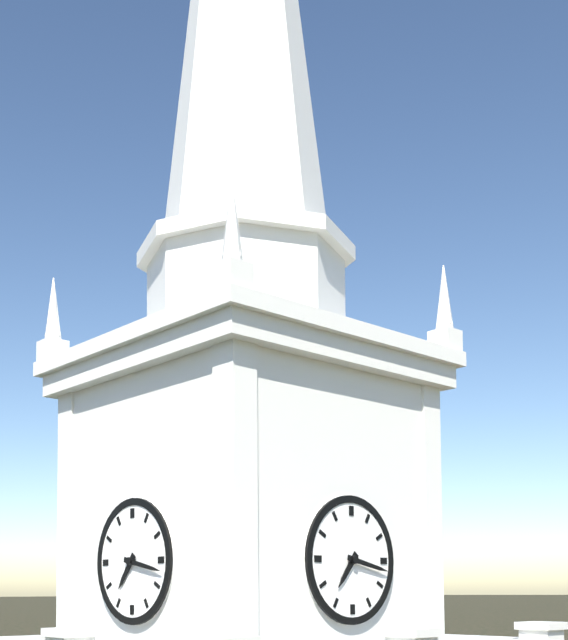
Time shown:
**7:17**
